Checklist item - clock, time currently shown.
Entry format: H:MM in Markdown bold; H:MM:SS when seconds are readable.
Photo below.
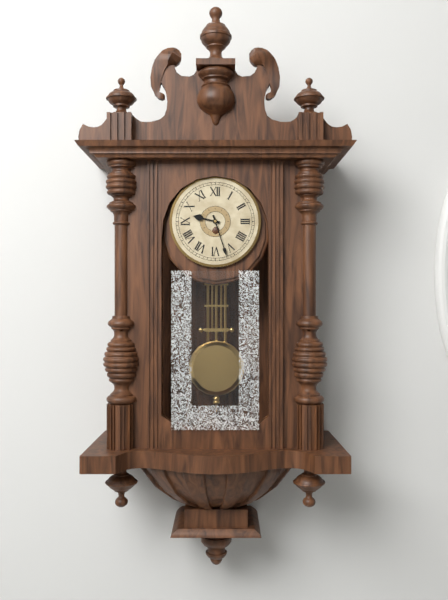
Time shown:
**9:27**
